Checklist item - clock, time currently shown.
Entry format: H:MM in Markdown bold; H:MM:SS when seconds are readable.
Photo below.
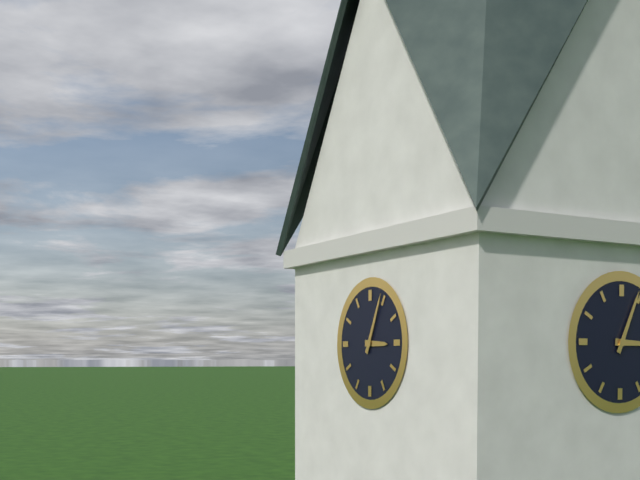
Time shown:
**3:04**
